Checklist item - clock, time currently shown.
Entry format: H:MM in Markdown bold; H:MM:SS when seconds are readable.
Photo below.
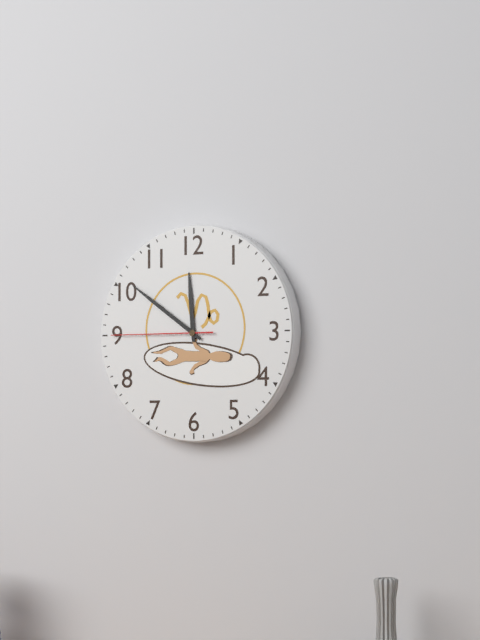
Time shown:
**11:51:45**
